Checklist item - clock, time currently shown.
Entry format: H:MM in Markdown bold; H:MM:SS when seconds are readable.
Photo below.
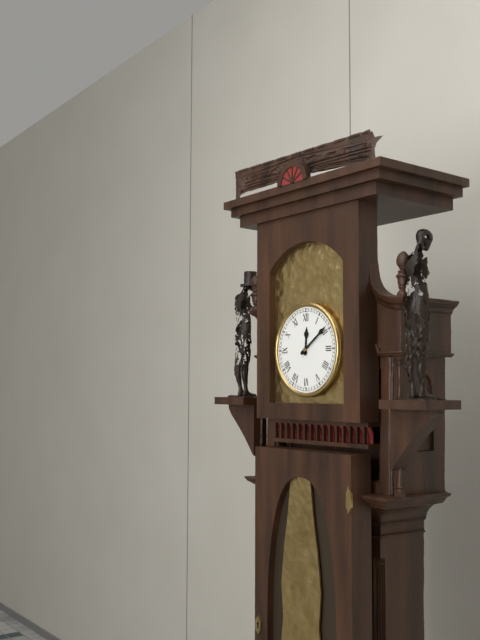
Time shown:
**12:09**
